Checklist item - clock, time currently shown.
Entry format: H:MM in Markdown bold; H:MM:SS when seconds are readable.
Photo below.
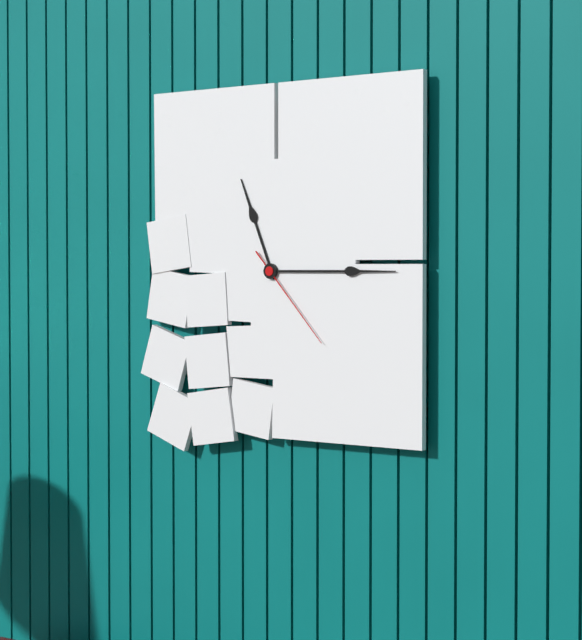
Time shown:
**11:15:23**
